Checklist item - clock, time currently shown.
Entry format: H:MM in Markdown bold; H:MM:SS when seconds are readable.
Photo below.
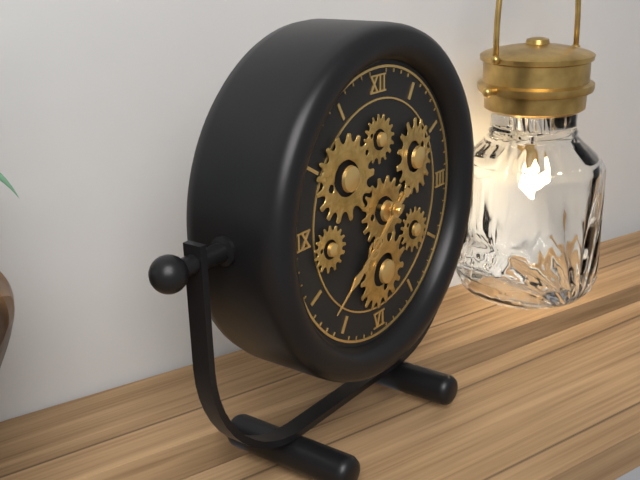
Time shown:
**7:39**
